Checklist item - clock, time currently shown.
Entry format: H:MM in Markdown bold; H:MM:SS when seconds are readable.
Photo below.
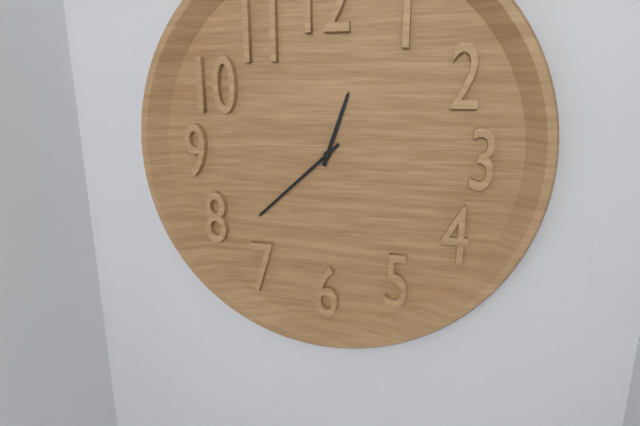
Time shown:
**12:38**
